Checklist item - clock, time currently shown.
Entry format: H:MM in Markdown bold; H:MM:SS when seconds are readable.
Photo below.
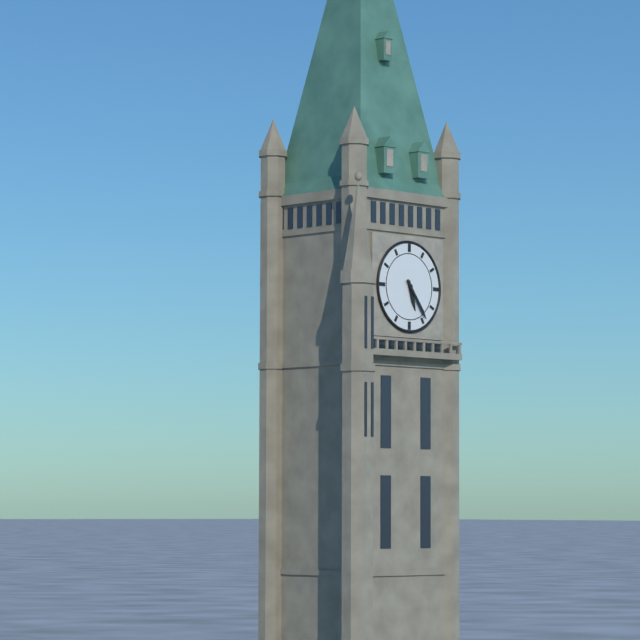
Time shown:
**5:24**
